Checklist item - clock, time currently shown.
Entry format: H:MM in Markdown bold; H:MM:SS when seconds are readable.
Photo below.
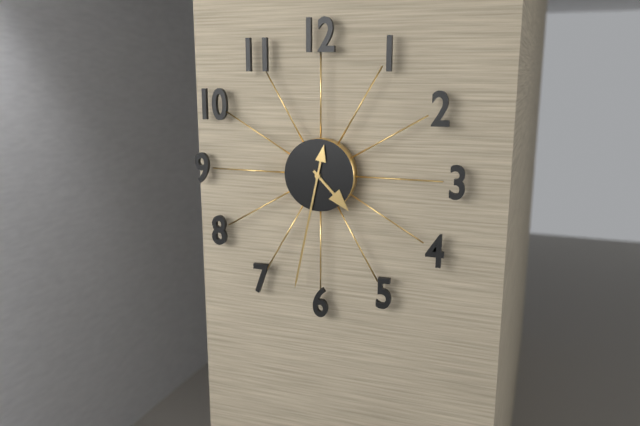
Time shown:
**4:32**
